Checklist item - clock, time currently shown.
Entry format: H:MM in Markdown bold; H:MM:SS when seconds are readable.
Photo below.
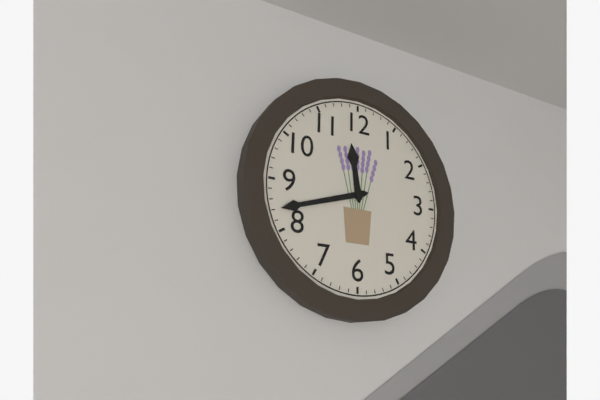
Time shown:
**11:42**
